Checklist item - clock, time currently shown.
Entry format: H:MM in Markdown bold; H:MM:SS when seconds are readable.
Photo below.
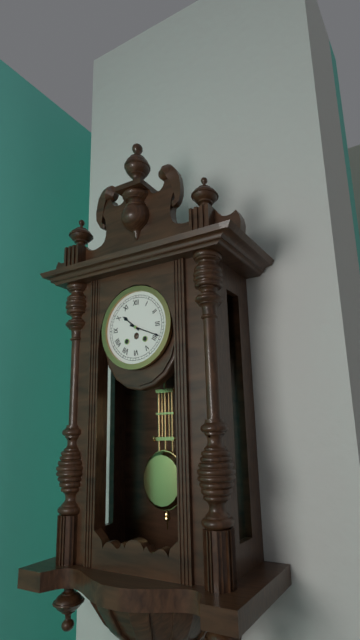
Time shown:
**10:19**
